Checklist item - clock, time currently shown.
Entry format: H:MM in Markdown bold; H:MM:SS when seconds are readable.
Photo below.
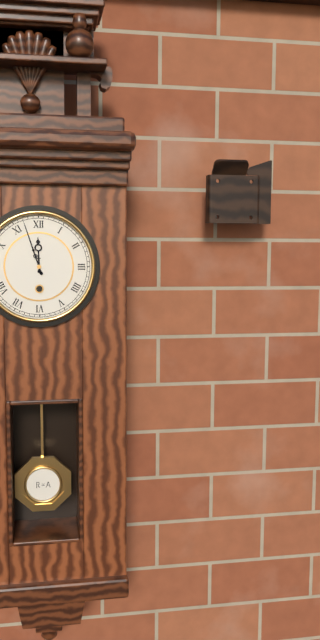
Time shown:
**11:57**
